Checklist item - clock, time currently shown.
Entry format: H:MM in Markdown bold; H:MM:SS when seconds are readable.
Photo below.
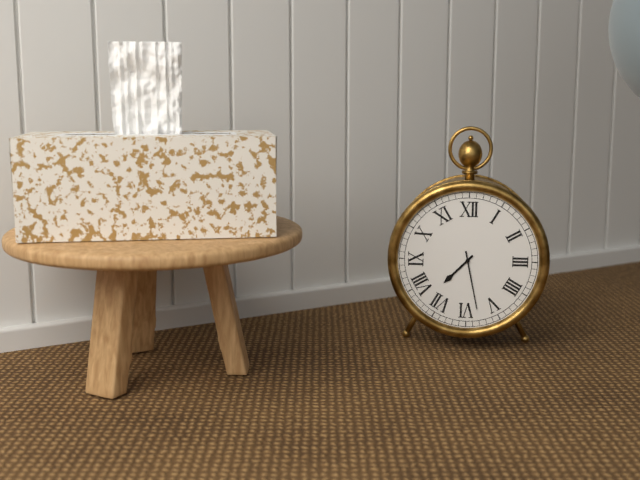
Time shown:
**7:28**
